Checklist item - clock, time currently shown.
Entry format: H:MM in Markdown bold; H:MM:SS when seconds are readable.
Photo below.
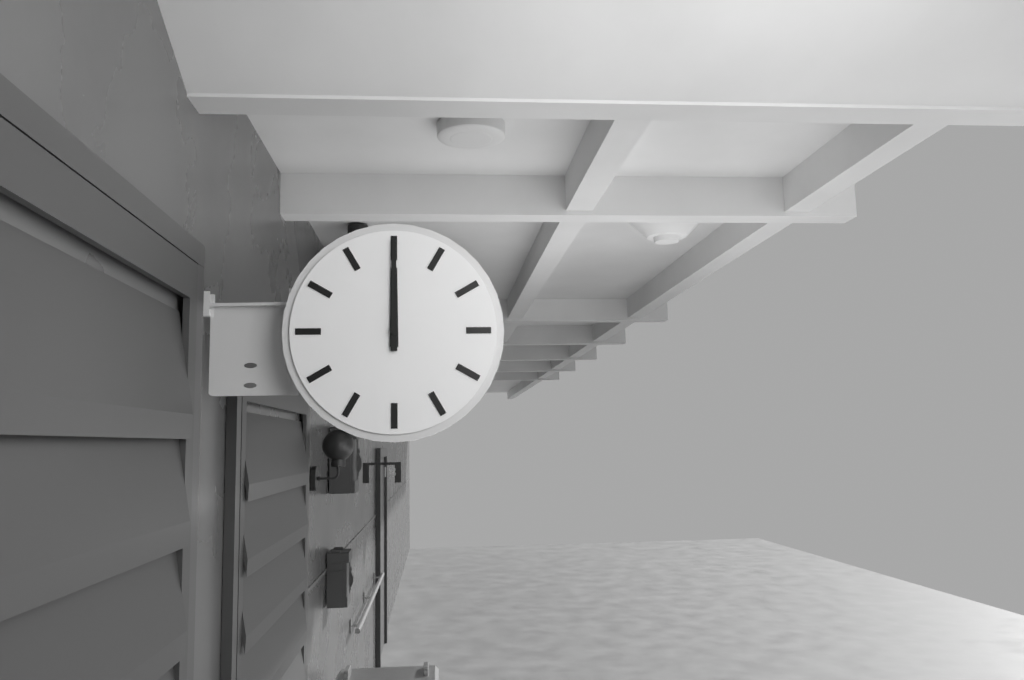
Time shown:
**12:00**
